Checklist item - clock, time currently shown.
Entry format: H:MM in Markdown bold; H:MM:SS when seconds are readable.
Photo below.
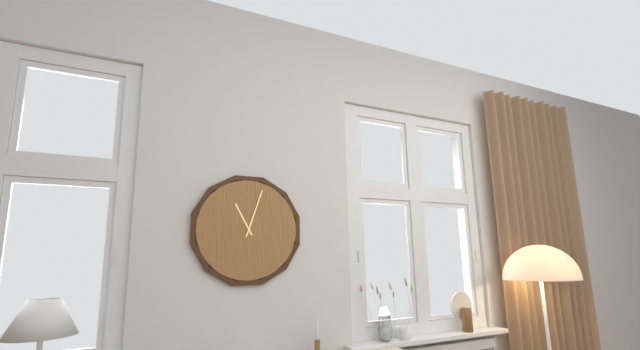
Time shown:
**11:03**
